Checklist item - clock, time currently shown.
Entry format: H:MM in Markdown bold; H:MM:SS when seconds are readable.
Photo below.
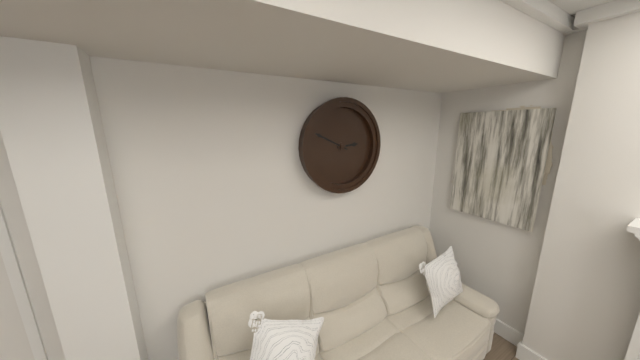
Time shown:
**2:49**
